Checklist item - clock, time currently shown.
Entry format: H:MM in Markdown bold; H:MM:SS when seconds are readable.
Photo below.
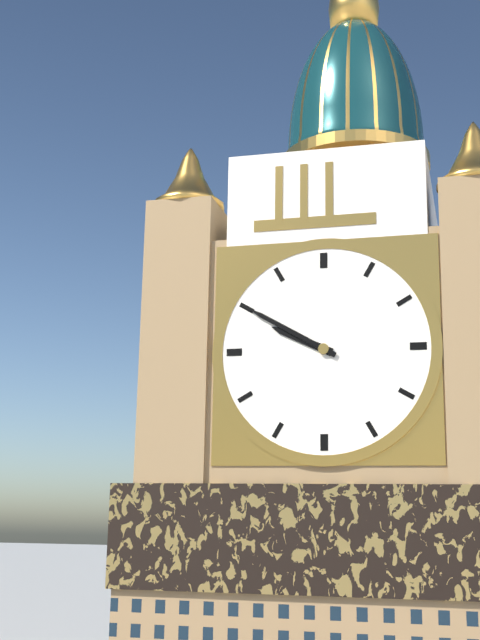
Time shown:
**9:50**
